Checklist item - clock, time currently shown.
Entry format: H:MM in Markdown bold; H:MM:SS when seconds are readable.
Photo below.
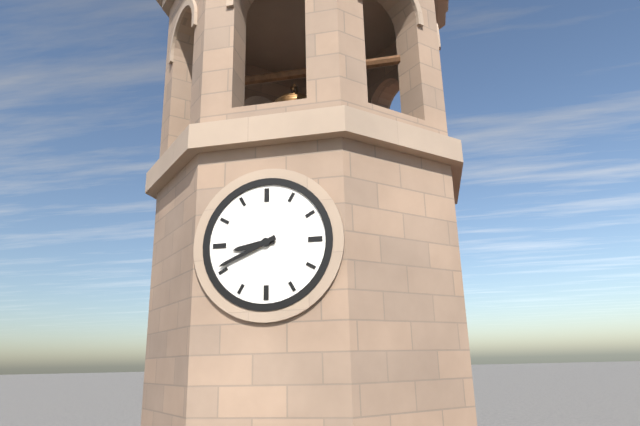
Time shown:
**8:41**
